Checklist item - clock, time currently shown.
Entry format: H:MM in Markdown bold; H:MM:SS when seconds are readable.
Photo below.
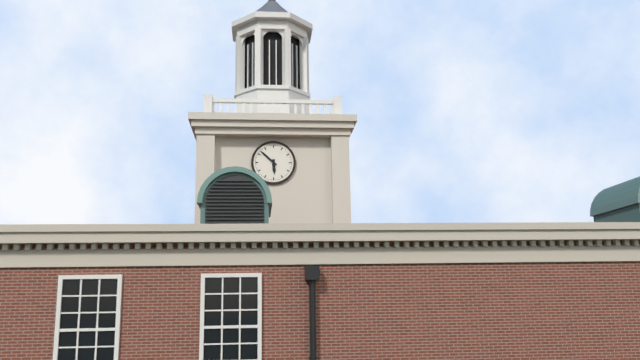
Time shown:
**5:52**
